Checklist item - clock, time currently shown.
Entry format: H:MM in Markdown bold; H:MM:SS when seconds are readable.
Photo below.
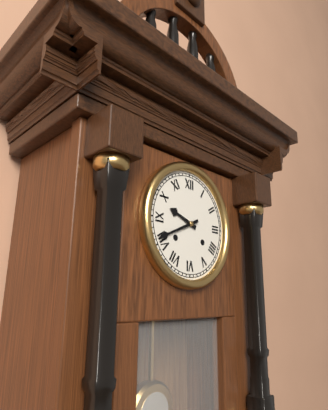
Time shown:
**9:41**
